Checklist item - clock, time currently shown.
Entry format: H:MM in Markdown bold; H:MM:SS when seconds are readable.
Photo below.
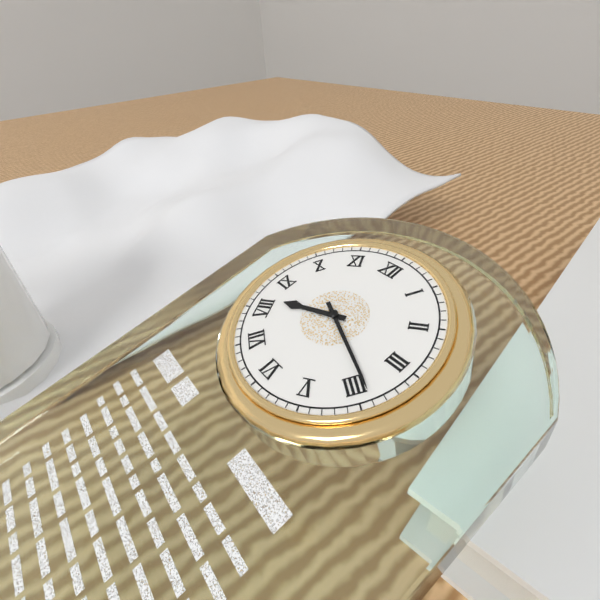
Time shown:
**8:19**
